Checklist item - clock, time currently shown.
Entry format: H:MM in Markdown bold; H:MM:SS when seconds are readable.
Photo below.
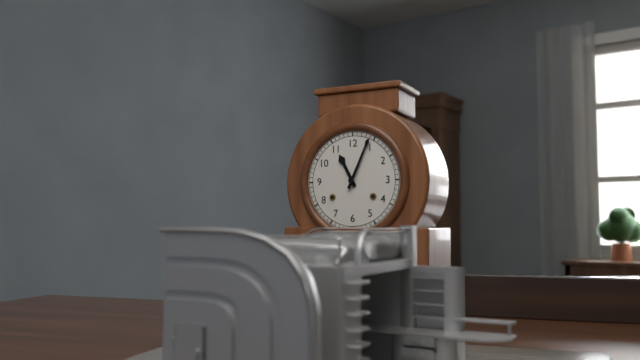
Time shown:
**11:04**
